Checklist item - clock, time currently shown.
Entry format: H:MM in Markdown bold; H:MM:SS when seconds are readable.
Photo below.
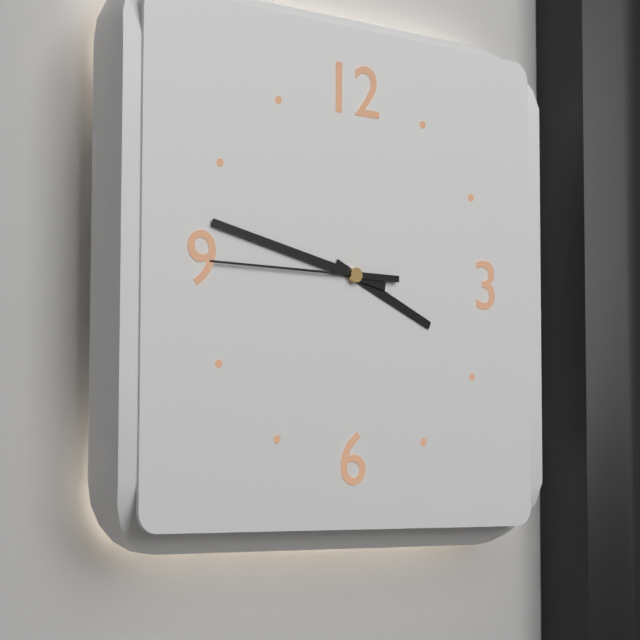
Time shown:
**3:47:45**
